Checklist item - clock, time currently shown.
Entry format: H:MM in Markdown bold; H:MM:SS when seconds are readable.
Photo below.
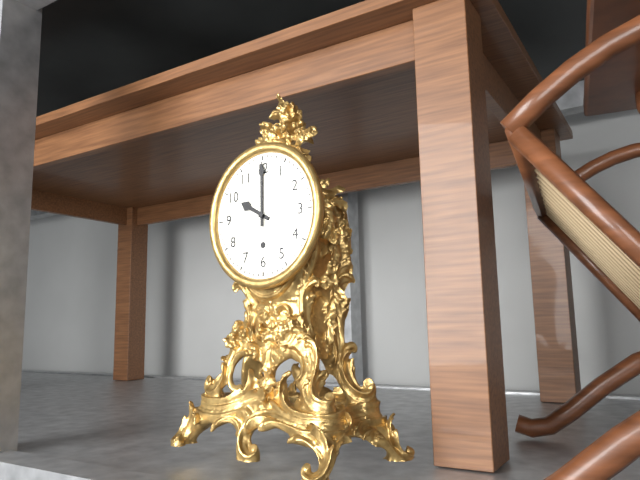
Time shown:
**10:00**
